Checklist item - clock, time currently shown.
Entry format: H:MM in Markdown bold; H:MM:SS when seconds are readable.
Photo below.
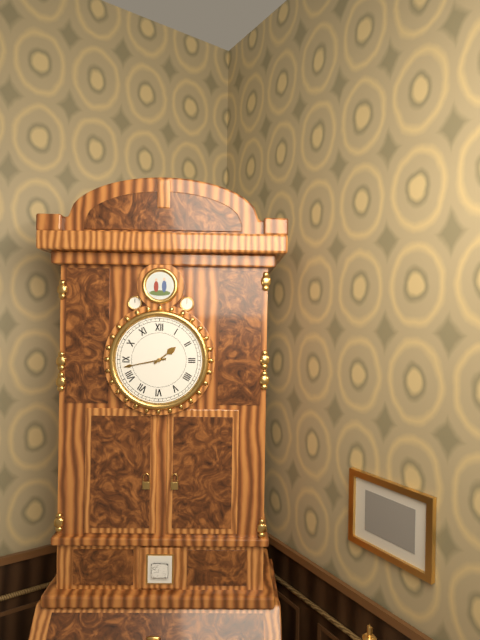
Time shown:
**1:43**
